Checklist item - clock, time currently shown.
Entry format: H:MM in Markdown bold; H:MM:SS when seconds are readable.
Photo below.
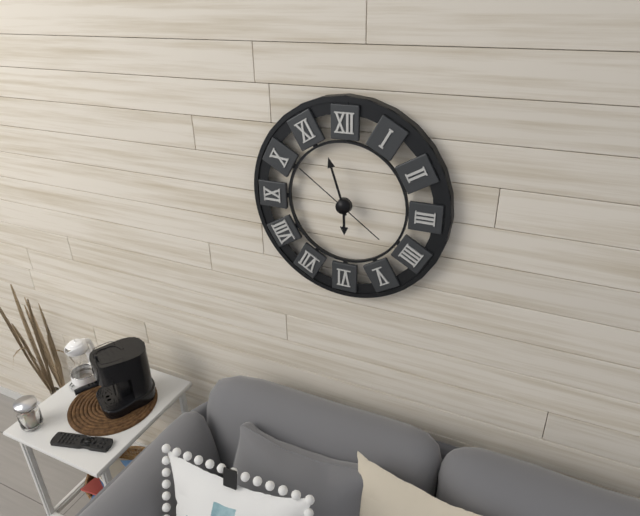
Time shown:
**5:57:51**
